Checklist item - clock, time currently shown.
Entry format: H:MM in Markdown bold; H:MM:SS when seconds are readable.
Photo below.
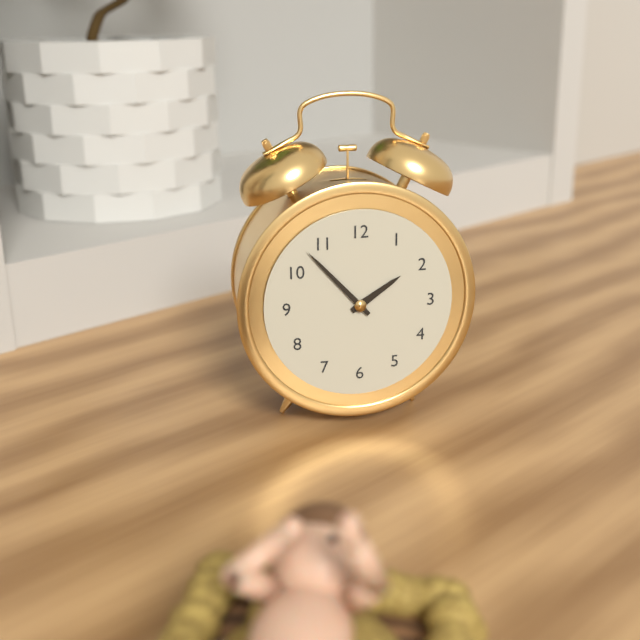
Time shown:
**1:53**
